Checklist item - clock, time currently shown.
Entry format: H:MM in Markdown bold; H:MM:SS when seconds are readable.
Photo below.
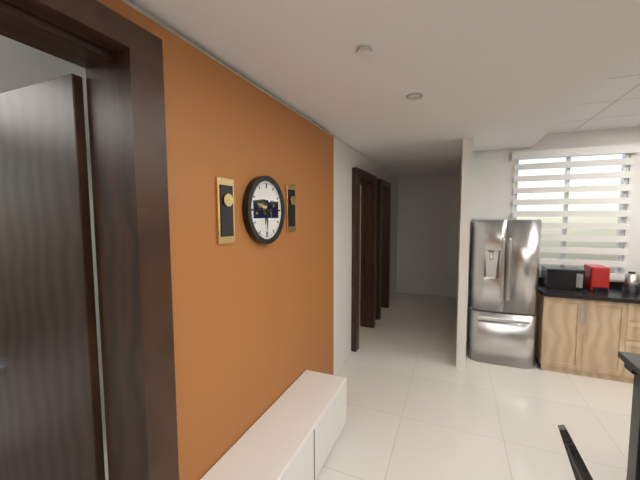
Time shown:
**6:30**
